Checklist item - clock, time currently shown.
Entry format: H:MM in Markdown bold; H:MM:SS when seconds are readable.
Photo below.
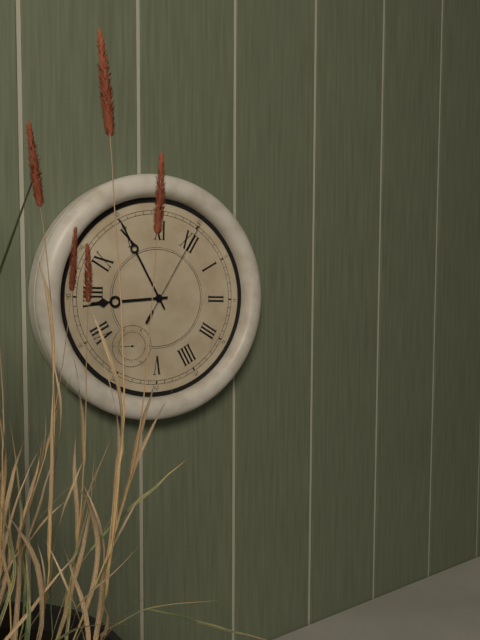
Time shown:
**7:50:00**
